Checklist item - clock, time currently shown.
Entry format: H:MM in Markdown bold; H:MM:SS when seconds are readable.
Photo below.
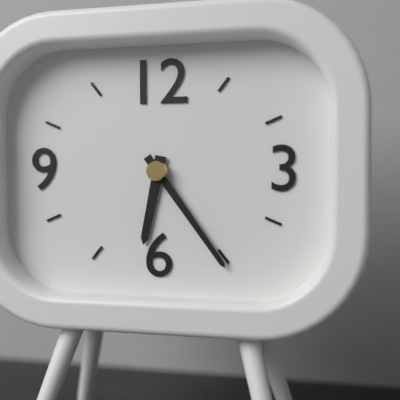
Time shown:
**6:24**
